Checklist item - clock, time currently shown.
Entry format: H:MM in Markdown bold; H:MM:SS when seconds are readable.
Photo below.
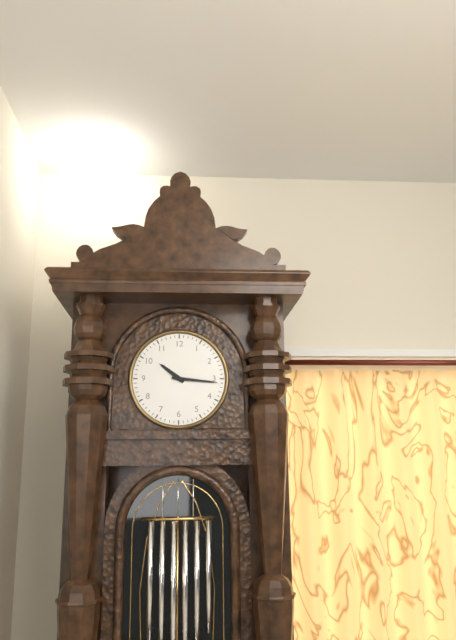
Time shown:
**10:16**
